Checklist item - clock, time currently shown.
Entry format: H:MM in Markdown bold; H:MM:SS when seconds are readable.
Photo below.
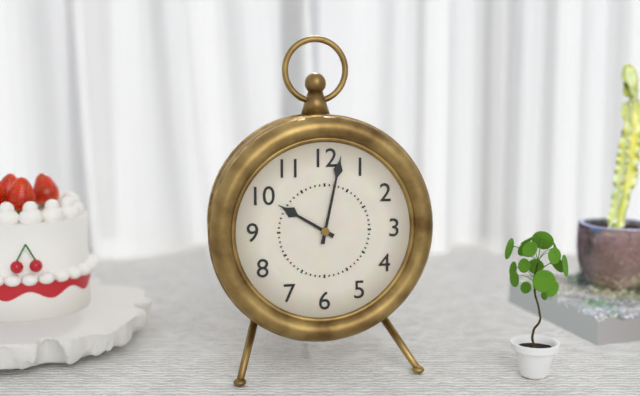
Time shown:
**10:02**
